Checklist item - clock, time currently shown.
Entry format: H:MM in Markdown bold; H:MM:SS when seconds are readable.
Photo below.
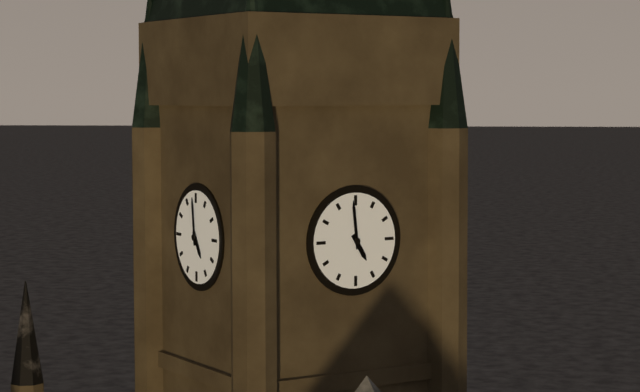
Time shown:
**4:59**
